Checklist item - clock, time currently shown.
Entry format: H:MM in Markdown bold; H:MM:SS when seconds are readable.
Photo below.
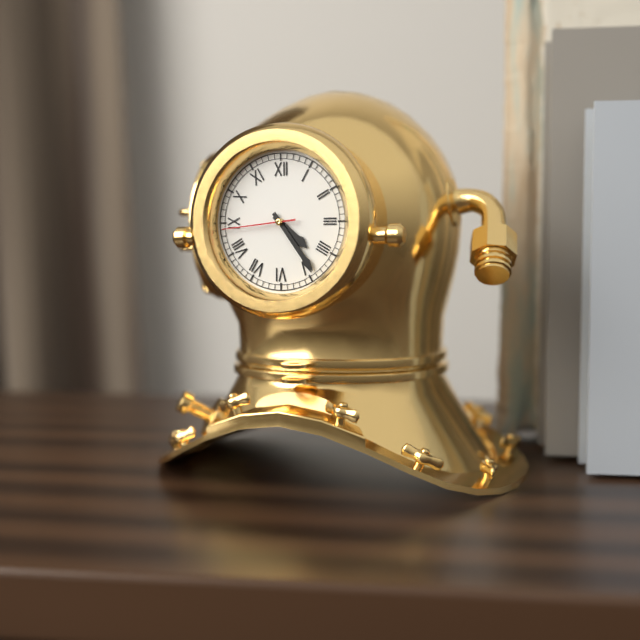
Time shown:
**4:24:44**
